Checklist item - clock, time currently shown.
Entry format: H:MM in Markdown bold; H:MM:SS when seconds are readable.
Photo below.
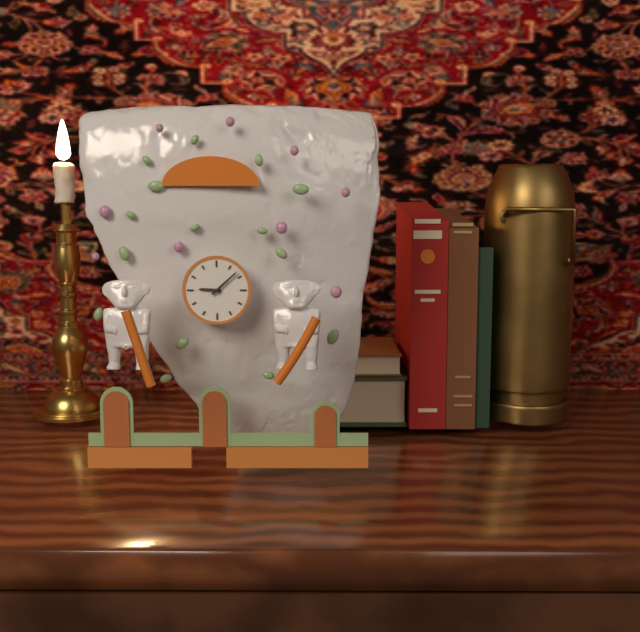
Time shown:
**9:08**
